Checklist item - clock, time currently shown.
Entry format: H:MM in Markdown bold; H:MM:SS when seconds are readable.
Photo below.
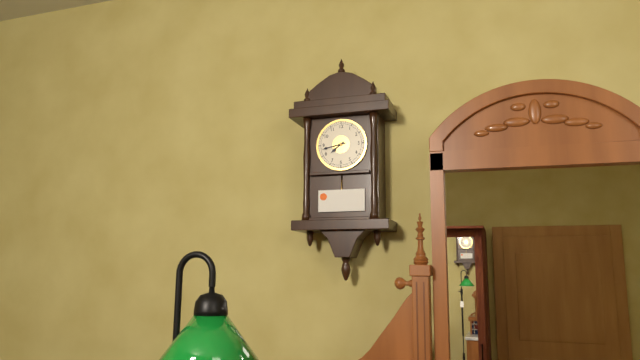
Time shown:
**7:43**
